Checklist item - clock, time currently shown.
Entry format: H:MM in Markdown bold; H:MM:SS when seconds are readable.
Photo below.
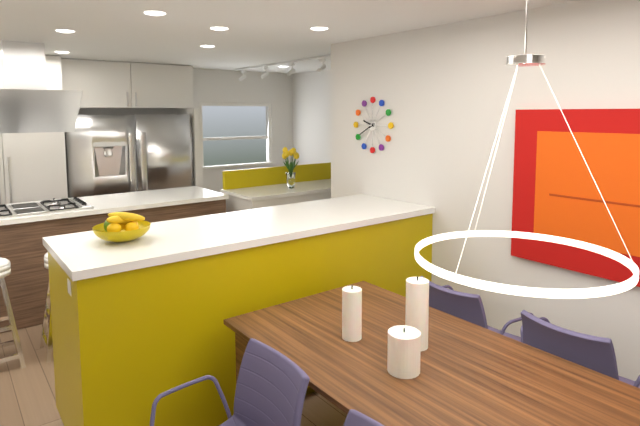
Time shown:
**9:40**
